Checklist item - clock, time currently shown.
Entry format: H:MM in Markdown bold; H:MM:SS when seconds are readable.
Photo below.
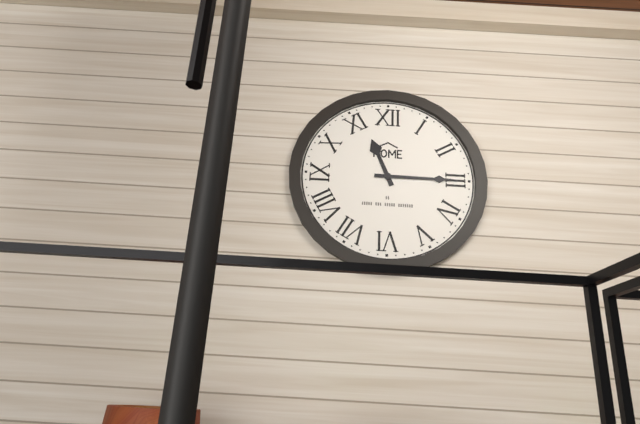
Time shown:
**11:15**
